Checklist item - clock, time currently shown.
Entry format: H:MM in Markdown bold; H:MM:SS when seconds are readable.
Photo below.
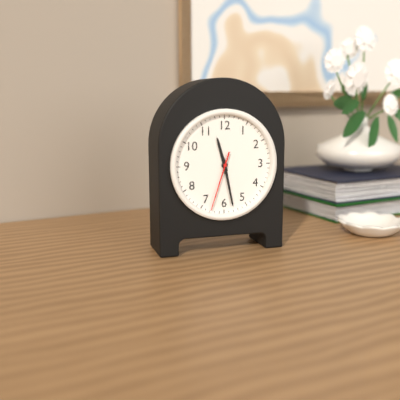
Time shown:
**11:28:33**
